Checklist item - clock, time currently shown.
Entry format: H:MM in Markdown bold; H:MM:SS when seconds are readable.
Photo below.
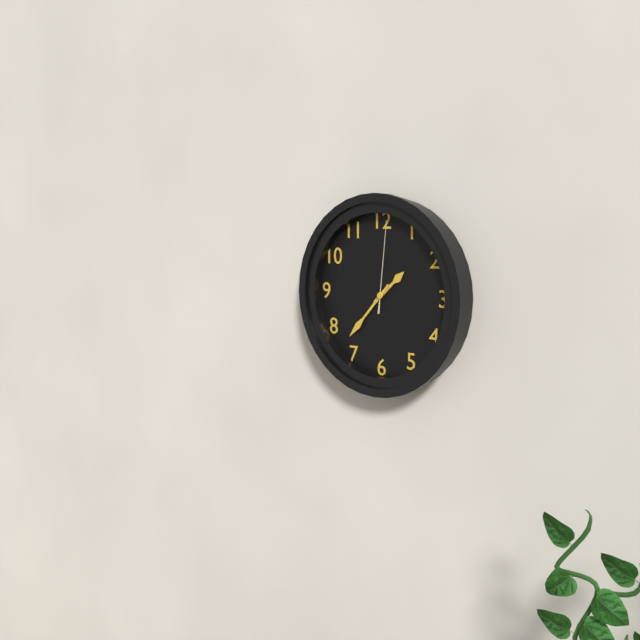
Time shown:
**1:37:01**
